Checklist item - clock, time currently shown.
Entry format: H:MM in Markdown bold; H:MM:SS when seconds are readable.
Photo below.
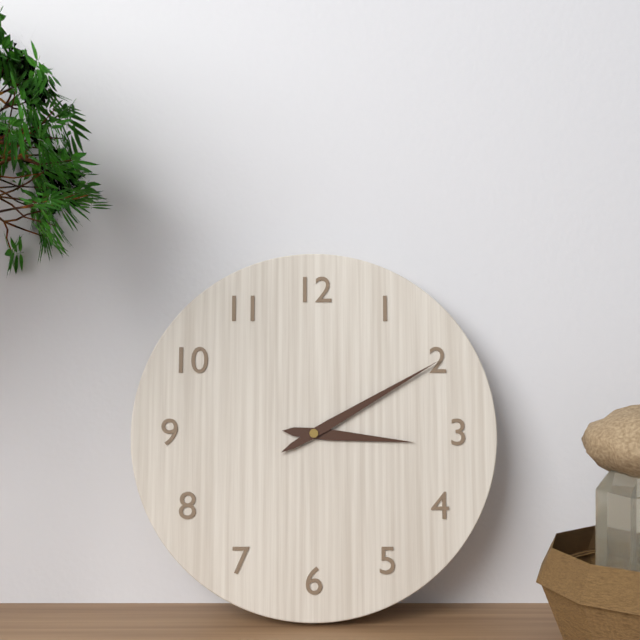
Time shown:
**3:10**
